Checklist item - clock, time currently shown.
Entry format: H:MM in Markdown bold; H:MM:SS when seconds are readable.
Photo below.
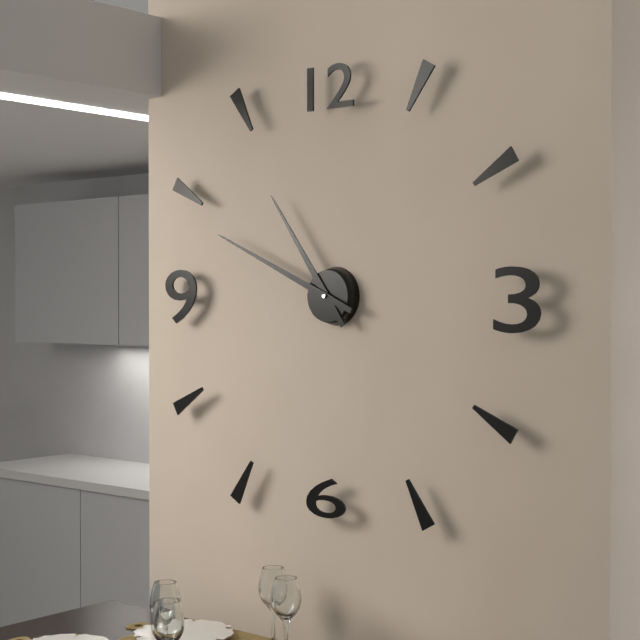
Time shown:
**10:49**
